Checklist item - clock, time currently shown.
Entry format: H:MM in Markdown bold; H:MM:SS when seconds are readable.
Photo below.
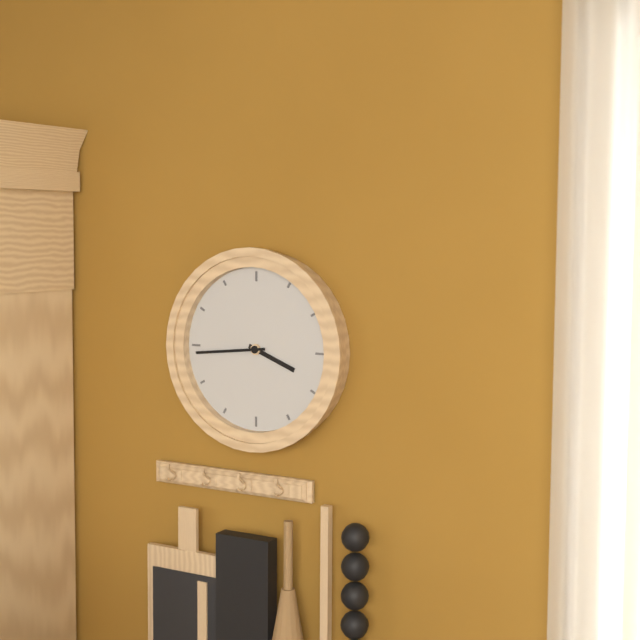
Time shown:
**3:44**
